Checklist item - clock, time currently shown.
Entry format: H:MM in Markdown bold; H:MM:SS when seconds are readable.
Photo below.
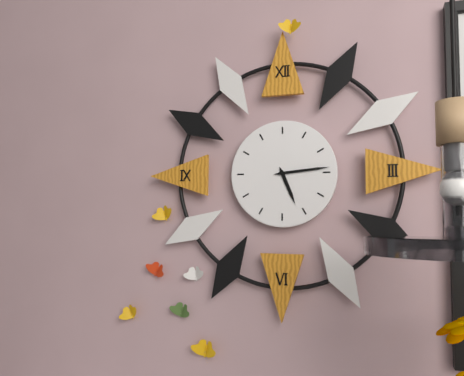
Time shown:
**5:14**
